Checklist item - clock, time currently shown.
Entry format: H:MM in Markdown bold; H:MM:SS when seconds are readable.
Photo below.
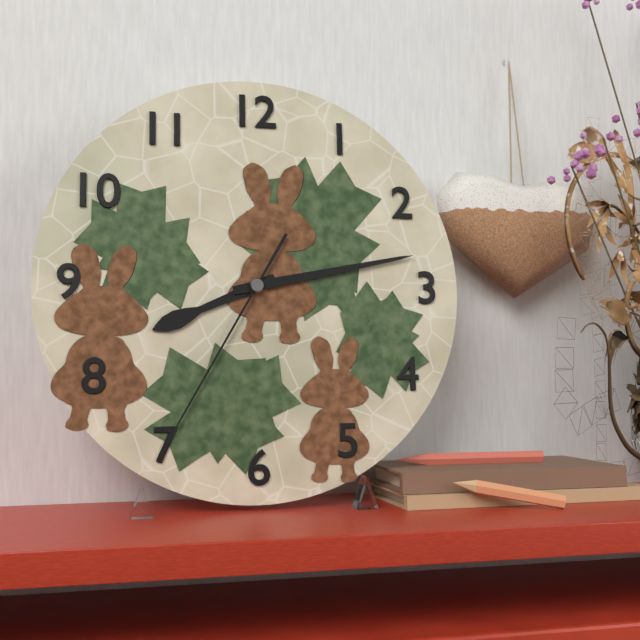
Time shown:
**8:13:35**
